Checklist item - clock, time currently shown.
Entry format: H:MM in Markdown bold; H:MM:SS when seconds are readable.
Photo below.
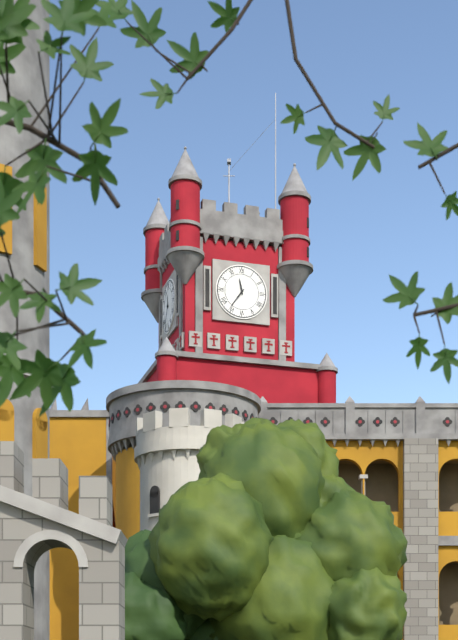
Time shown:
**11:36**
